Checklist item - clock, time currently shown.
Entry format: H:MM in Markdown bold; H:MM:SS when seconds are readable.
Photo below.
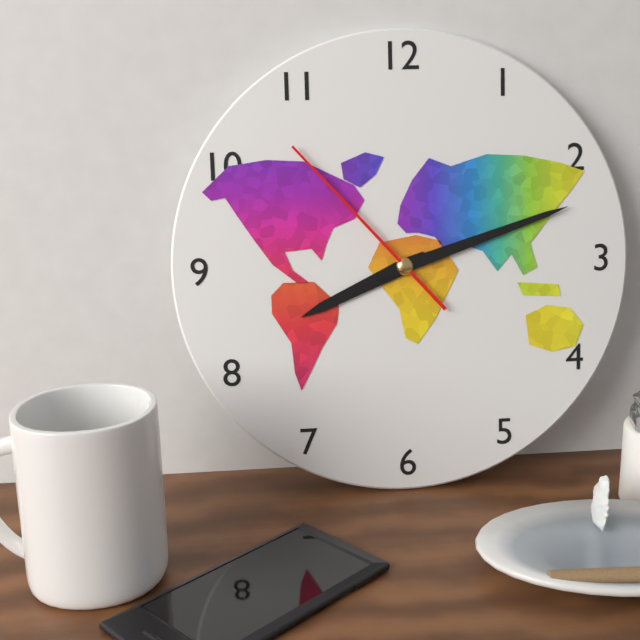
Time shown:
**8:12:53**
